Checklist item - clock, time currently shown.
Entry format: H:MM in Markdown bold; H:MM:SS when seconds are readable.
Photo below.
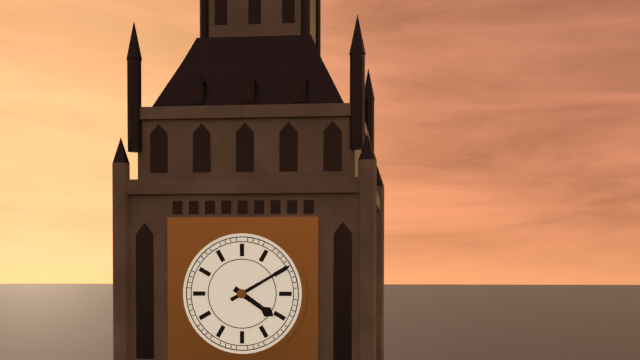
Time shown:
**4:10**
